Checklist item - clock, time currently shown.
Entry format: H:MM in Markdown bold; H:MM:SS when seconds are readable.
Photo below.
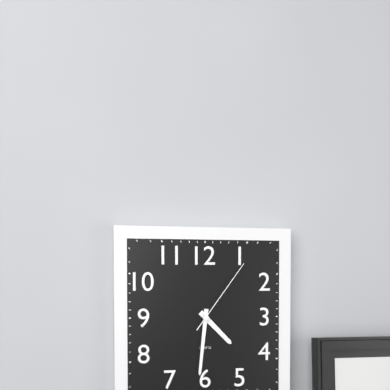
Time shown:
**4:31:06**
